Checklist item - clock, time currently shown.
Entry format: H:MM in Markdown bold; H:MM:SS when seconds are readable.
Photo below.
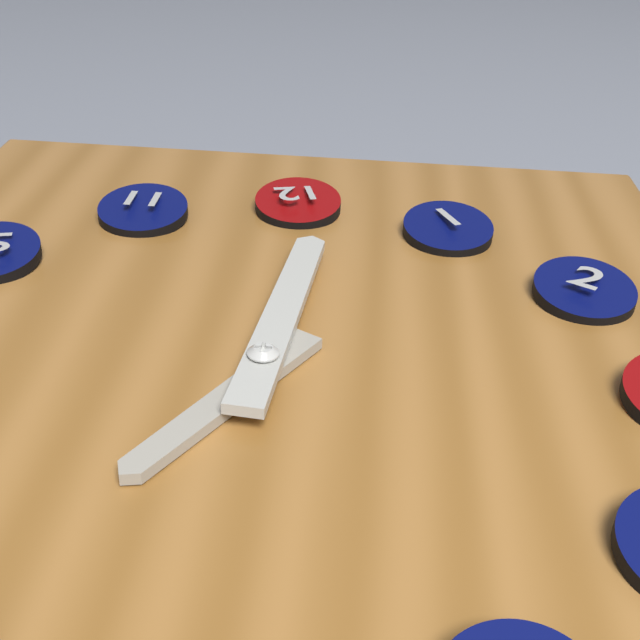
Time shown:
**7:01**
